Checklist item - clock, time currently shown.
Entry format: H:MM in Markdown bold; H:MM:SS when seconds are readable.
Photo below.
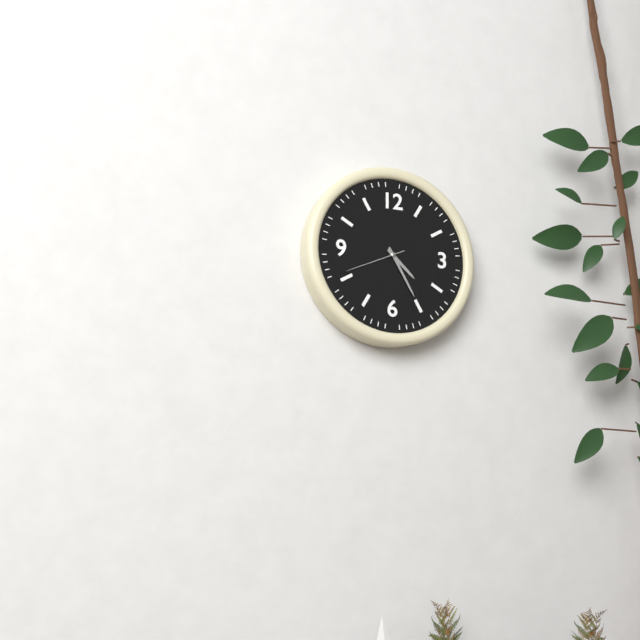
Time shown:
**4:25:41**
